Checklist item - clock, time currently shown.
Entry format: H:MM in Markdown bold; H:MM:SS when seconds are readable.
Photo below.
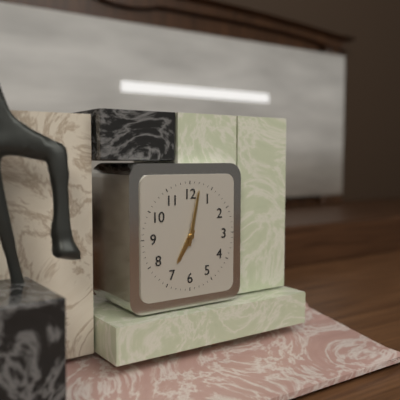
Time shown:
**7:02**
